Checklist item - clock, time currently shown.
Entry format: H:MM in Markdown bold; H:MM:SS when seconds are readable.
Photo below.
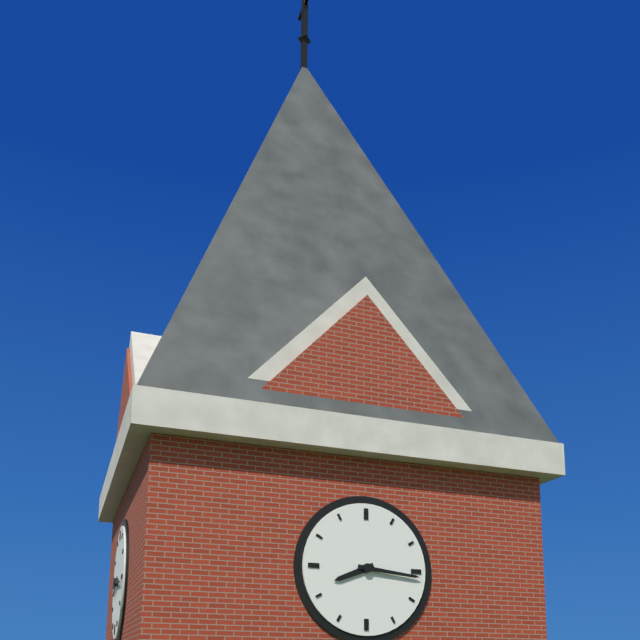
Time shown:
**8:16**
